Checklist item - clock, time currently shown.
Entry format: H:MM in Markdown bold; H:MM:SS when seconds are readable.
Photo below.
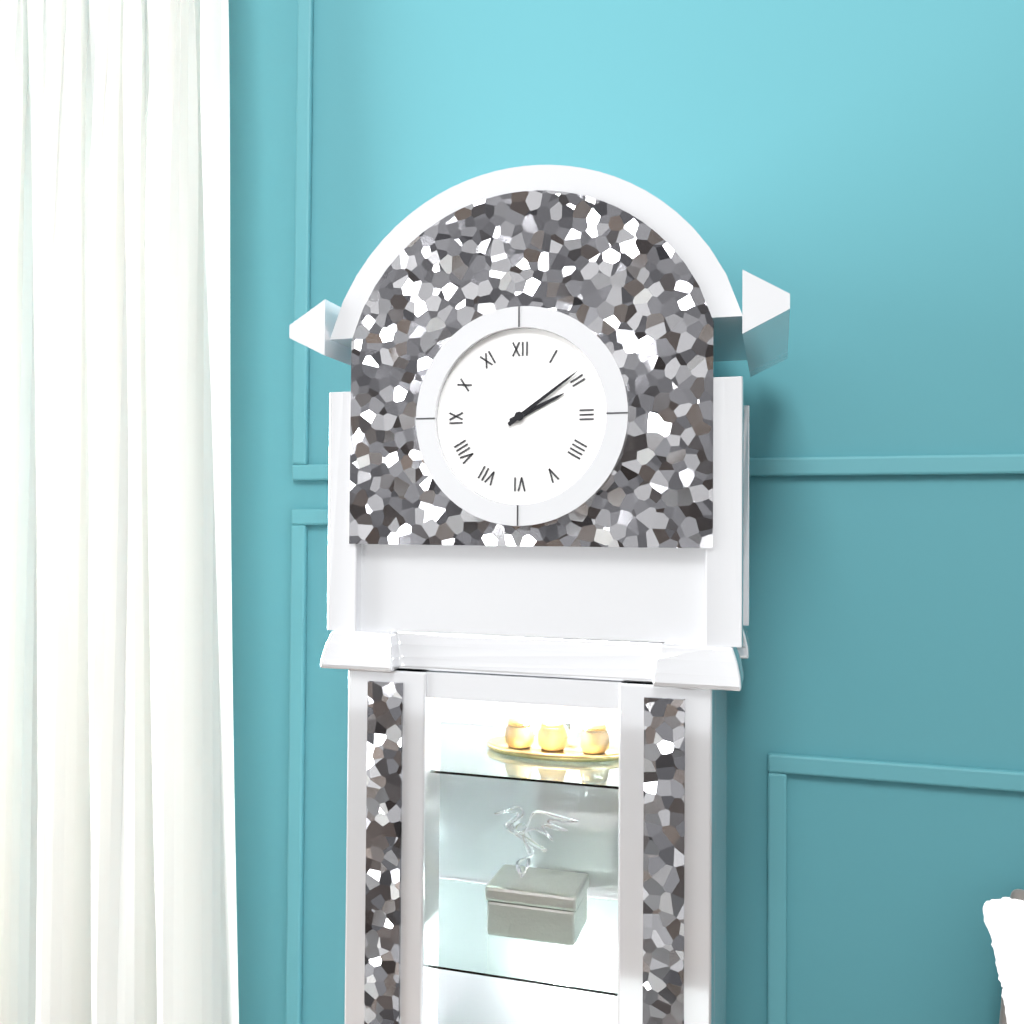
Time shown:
**2:09**
